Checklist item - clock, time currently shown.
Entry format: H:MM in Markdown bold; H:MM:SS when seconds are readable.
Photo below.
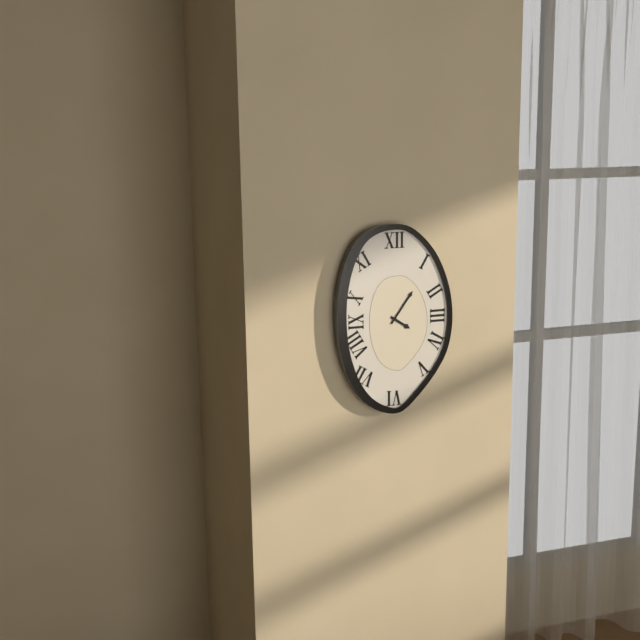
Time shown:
**4:06**
